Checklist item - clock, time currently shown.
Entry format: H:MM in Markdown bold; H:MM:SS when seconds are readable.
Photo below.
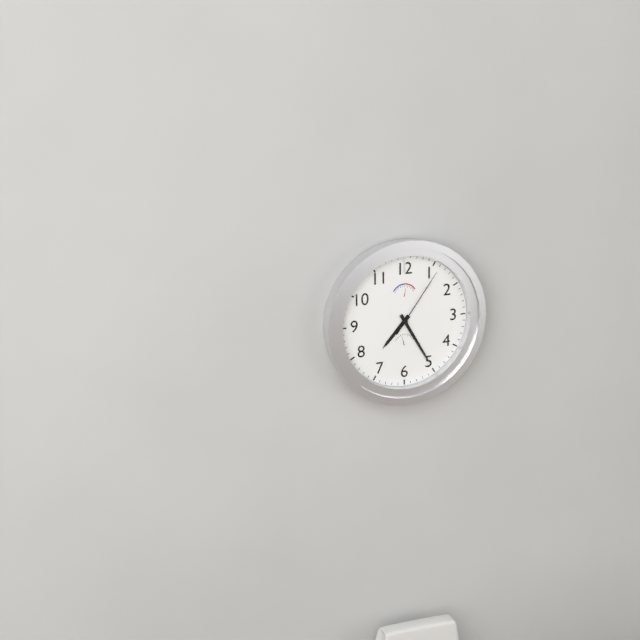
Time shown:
**7:25:06**
